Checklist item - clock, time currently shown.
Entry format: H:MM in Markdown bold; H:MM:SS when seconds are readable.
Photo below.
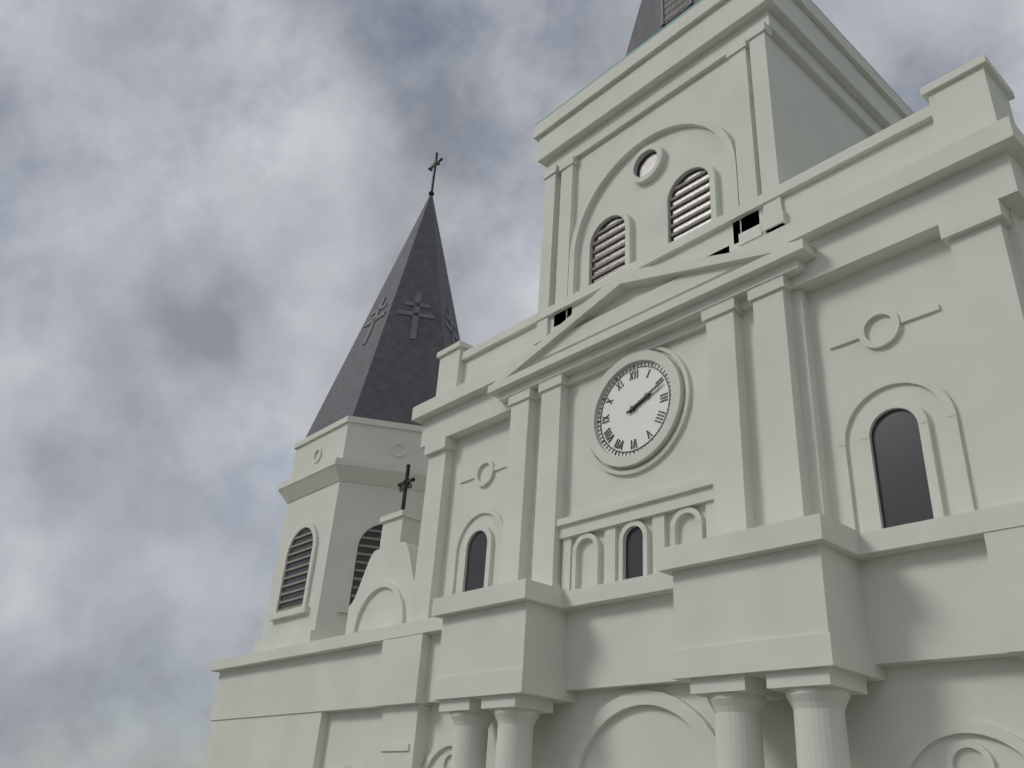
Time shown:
**2:11**
